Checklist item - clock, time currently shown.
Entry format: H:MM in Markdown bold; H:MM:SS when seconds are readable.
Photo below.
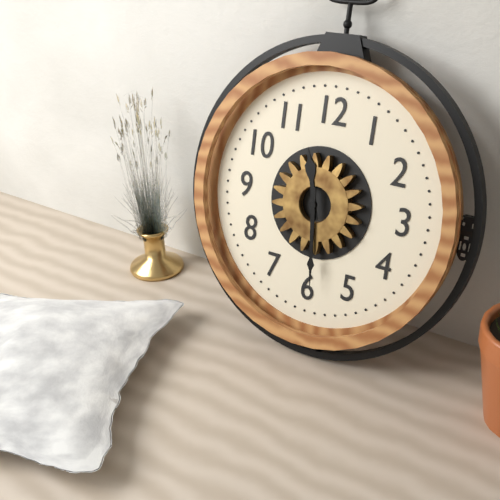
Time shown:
**11:29**
